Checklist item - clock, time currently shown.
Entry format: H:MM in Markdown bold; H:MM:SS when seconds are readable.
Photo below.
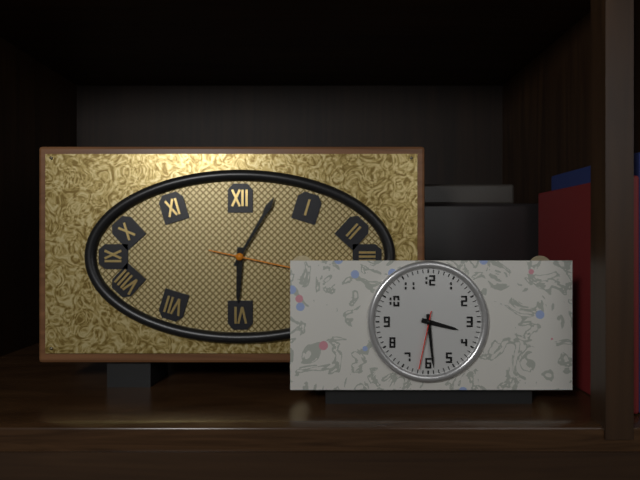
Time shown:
**6:05:17**
